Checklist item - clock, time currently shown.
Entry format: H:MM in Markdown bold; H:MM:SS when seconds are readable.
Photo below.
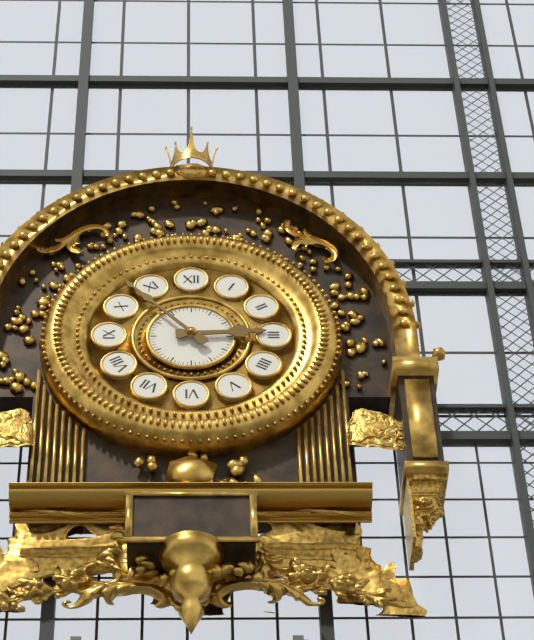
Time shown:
**2:53**
